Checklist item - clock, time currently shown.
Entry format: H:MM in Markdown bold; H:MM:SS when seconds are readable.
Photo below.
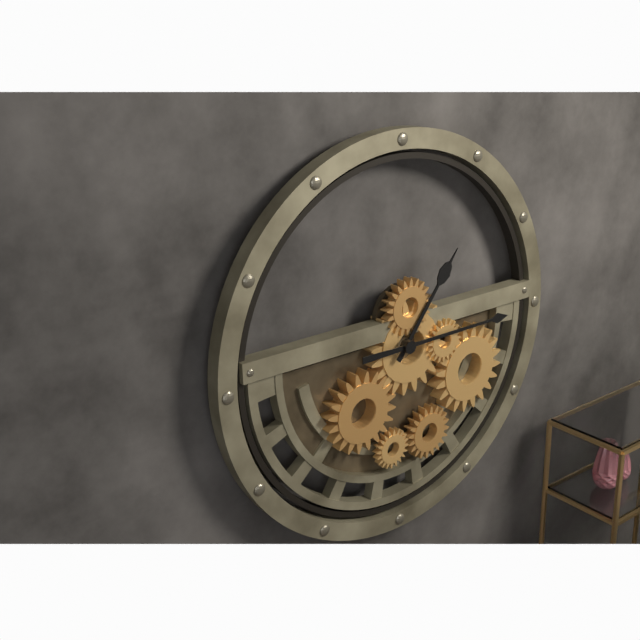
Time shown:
**1:15**
